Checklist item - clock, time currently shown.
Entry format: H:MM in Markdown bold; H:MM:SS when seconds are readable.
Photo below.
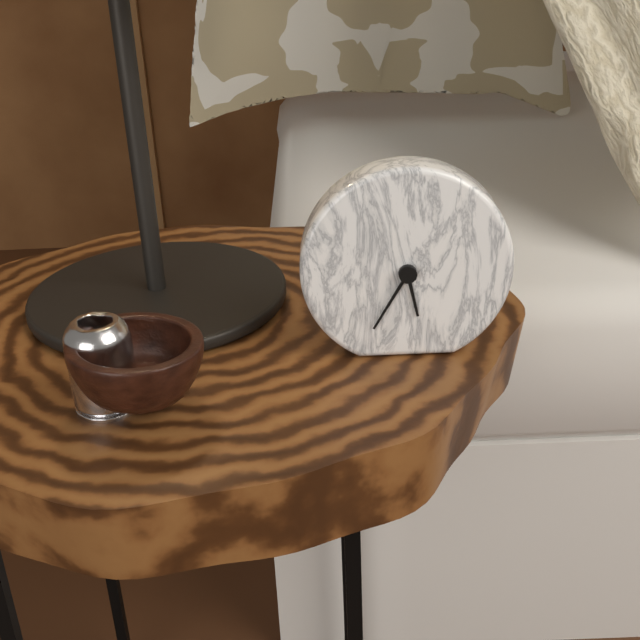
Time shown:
**5:35**
